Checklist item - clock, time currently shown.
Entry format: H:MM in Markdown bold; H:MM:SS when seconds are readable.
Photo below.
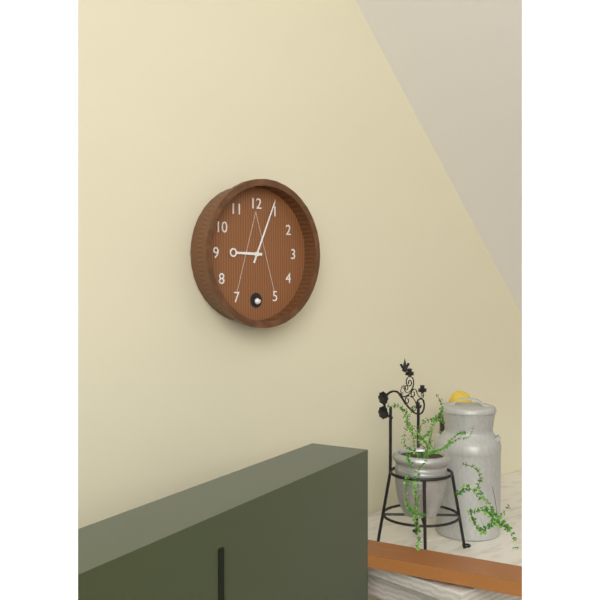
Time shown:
**9:04**
